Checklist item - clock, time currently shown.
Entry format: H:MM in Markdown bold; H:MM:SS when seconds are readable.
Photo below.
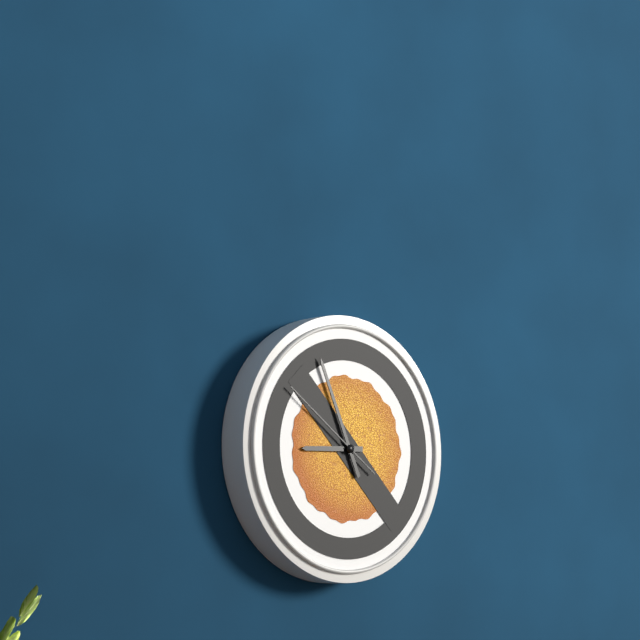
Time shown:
**8:56:51**
